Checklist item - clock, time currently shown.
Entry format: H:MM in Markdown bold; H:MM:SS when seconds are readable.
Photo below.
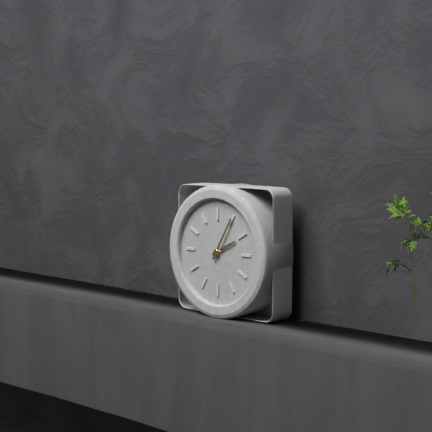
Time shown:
**2:05**
